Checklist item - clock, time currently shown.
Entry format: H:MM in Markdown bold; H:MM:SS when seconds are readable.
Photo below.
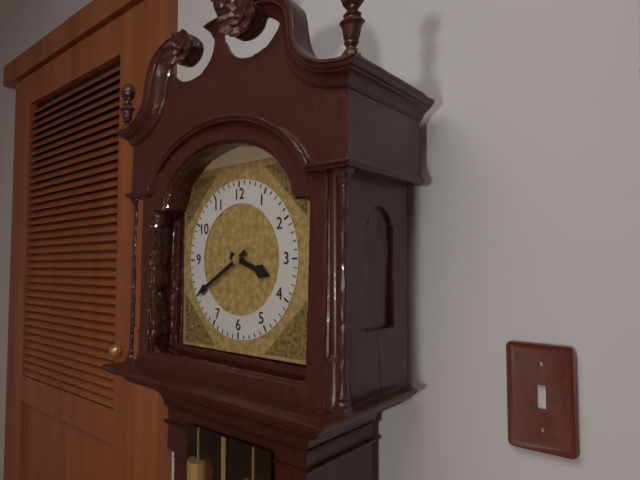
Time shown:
**3:40**
